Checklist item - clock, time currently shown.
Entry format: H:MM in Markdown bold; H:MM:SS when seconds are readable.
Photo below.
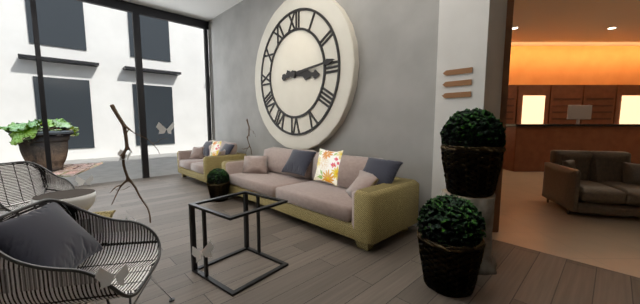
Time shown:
**3:14**
